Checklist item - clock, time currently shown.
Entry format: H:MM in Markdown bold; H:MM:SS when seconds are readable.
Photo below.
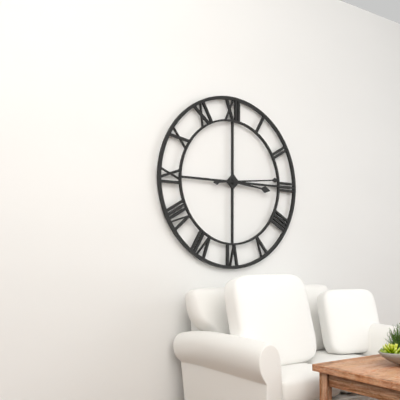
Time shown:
**3:14**
